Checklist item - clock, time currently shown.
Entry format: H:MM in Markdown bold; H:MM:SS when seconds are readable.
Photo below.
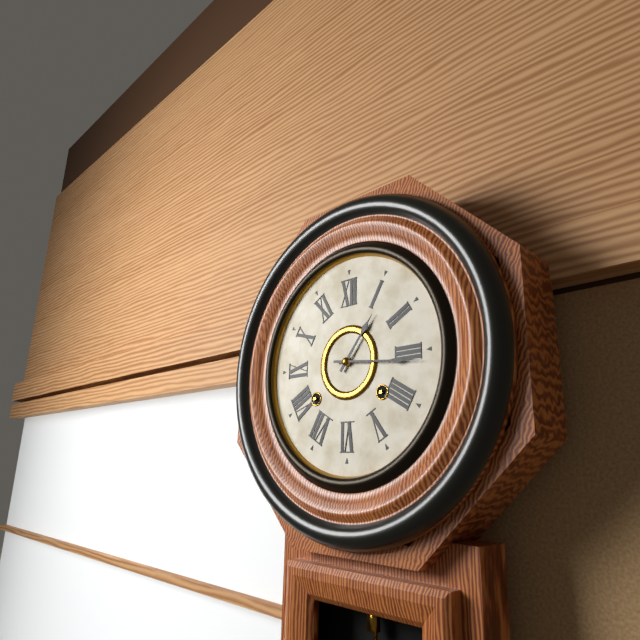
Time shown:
**1:16**
